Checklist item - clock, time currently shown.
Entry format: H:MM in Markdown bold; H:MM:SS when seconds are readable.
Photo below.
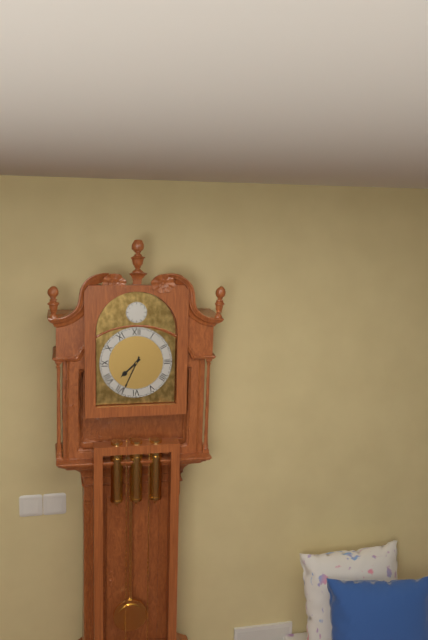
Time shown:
**7:34**
